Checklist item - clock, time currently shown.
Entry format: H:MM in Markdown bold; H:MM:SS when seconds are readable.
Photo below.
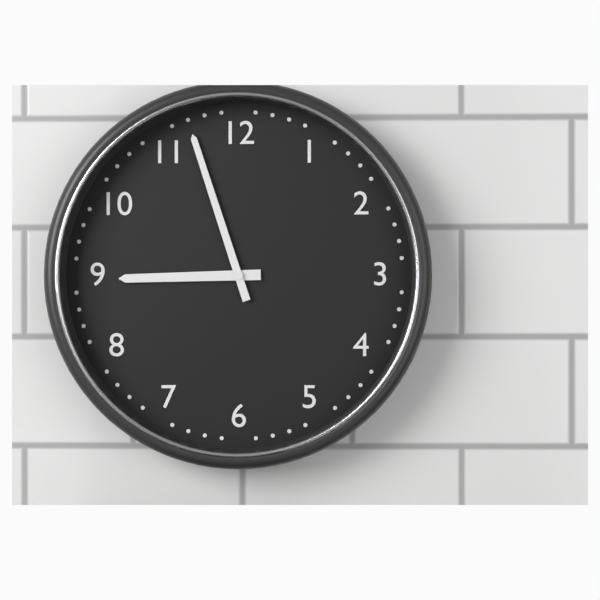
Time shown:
**8:57**
